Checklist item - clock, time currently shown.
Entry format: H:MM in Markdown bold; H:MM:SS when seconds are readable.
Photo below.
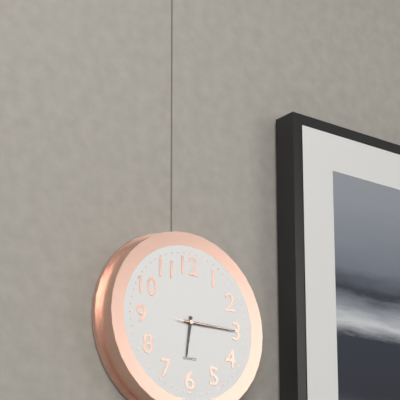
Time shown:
**6:15:15**
